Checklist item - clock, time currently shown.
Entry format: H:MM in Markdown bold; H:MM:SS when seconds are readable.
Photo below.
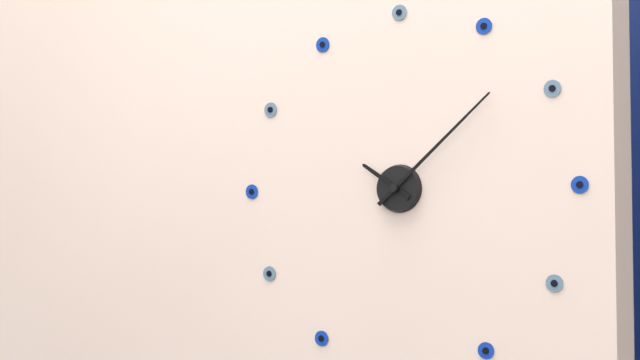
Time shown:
**10:08**
